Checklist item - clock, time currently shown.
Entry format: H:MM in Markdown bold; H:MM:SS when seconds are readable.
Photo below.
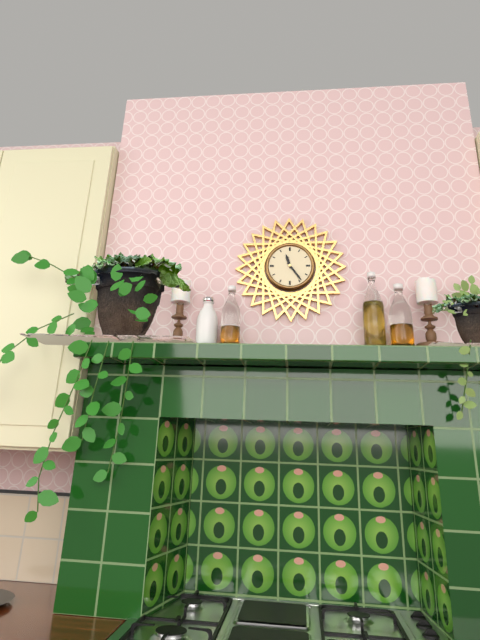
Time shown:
**11:24**
